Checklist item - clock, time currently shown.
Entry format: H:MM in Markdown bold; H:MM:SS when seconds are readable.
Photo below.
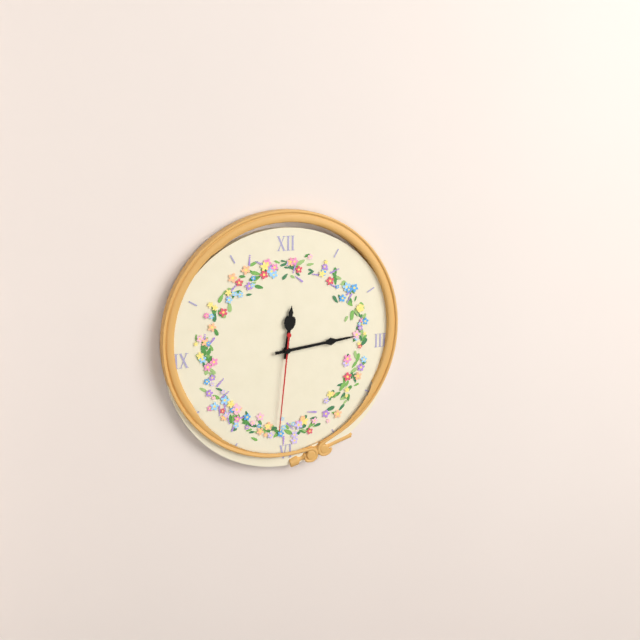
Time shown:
**12:14:31**
